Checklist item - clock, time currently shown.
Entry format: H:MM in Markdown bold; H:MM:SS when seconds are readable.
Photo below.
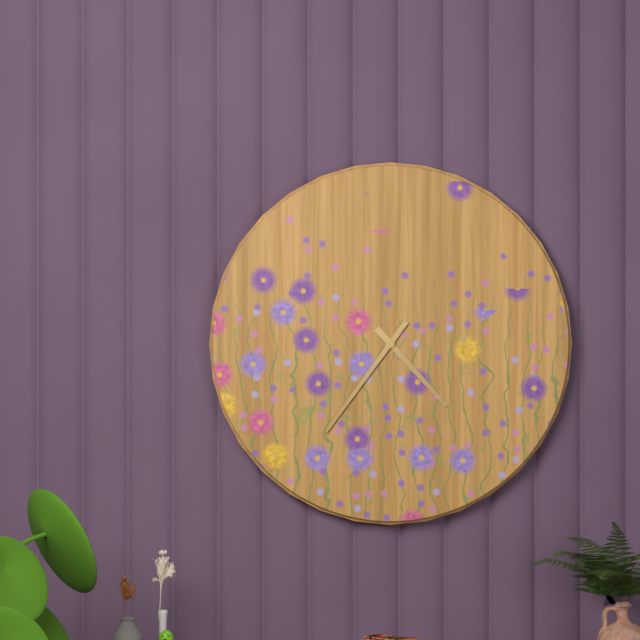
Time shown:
**4:36**
